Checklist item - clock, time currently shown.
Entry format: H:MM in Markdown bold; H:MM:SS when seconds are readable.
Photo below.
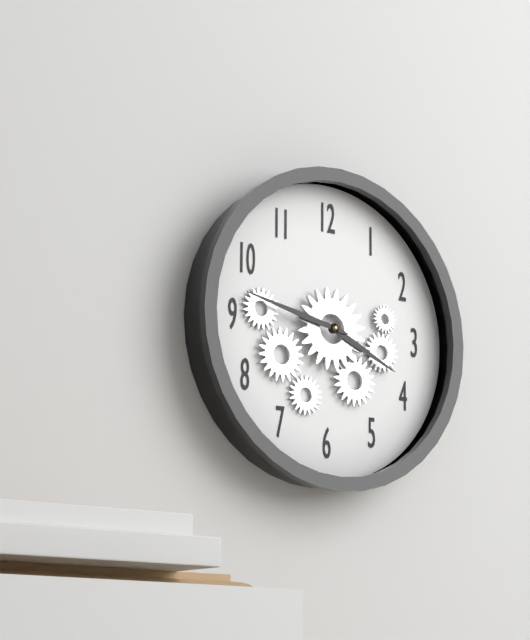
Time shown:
**3:47**
